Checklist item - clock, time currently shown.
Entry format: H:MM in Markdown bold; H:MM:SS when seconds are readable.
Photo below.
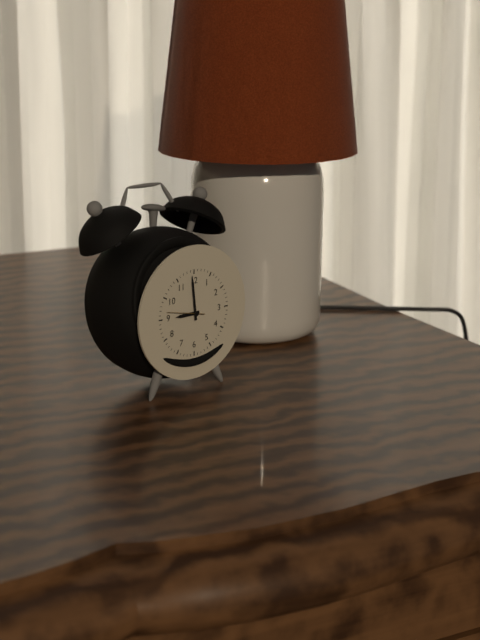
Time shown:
**8:59**
